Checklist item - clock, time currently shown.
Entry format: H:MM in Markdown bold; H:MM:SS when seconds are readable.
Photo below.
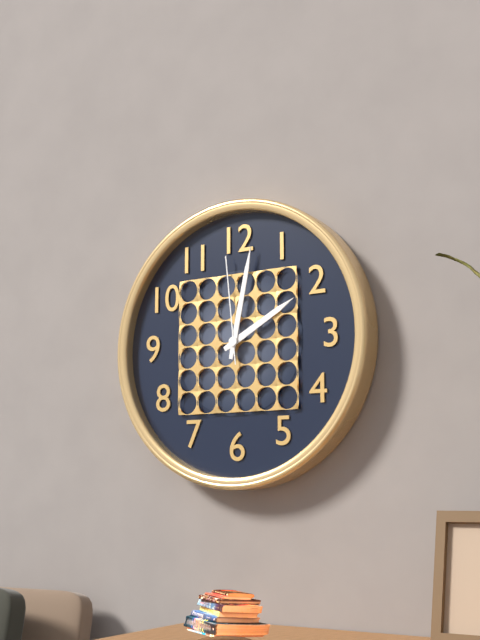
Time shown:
**2:02:59**
